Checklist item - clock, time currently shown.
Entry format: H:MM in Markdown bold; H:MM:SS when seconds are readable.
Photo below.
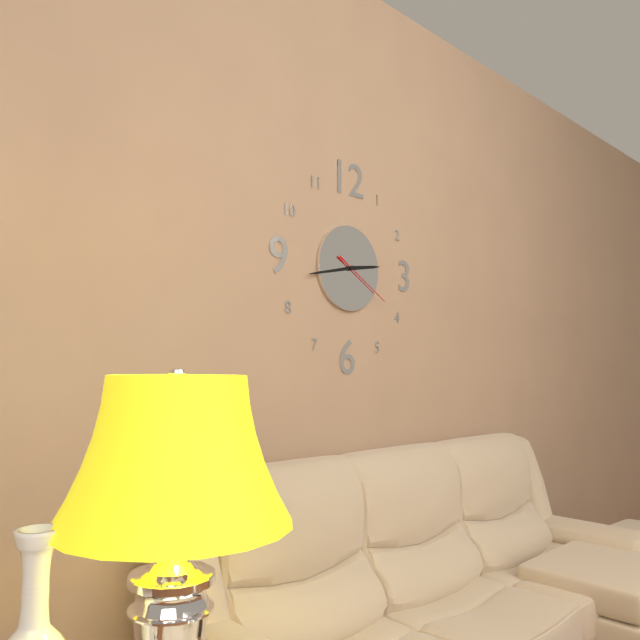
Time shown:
**2:43:20**
